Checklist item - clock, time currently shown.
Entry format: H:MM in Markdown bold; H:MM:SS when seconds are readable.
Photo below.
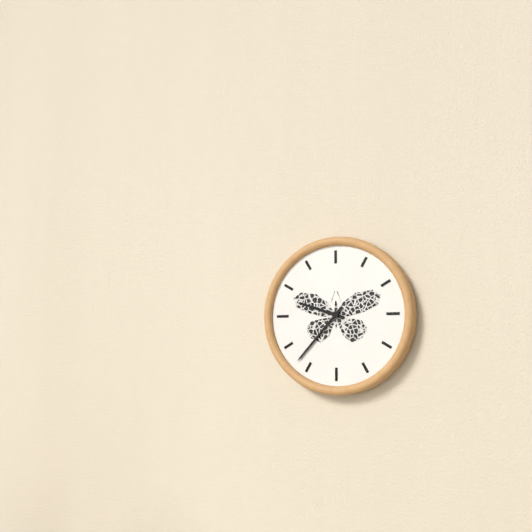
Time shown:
**9:37**
